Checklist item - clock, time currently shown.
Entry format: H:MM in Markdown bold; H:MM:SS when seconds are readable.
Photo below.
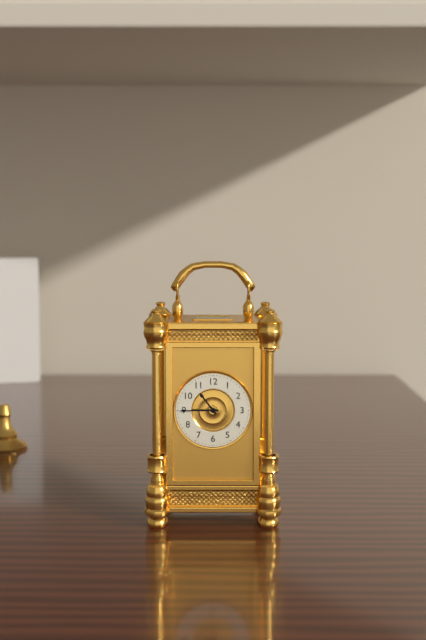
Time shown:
**10:45**
